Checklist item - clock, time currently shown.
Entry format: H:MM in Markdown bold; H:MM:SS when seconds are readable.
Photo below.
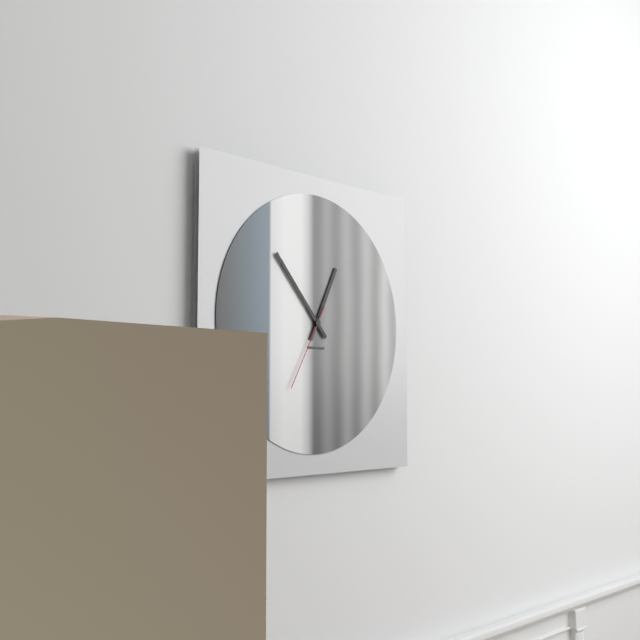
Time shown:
**12:53:35**
